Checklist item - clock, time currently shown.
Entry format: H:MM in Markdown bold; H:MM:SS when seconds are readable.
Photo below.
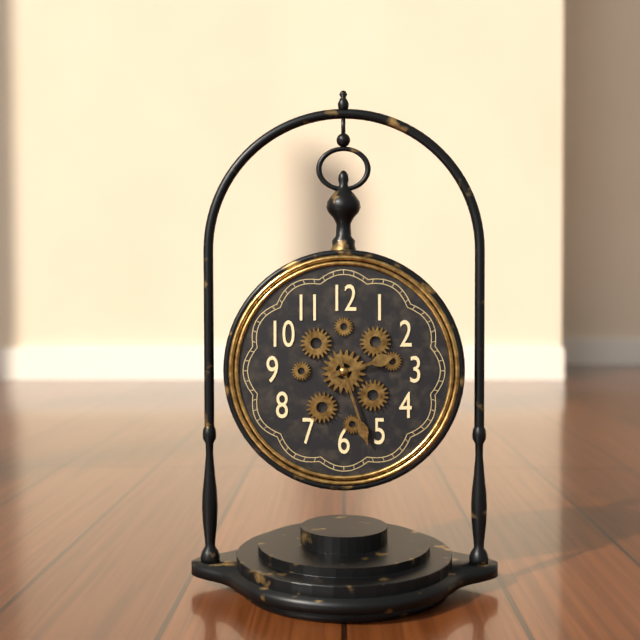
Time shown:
**2:27**
